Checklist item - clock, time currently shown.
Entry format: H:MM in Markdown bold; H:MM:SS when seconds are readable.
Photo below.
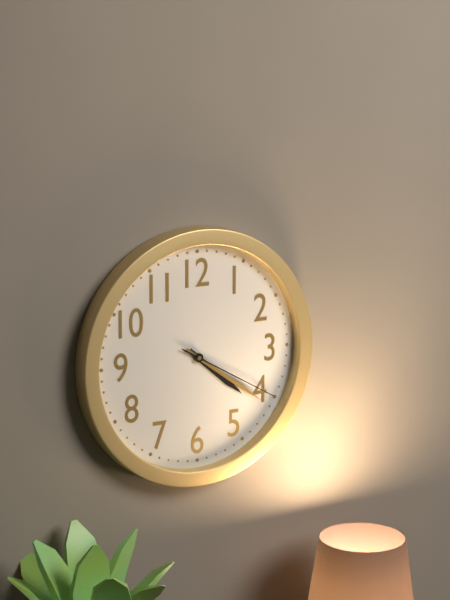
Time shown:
**4:21:20**
